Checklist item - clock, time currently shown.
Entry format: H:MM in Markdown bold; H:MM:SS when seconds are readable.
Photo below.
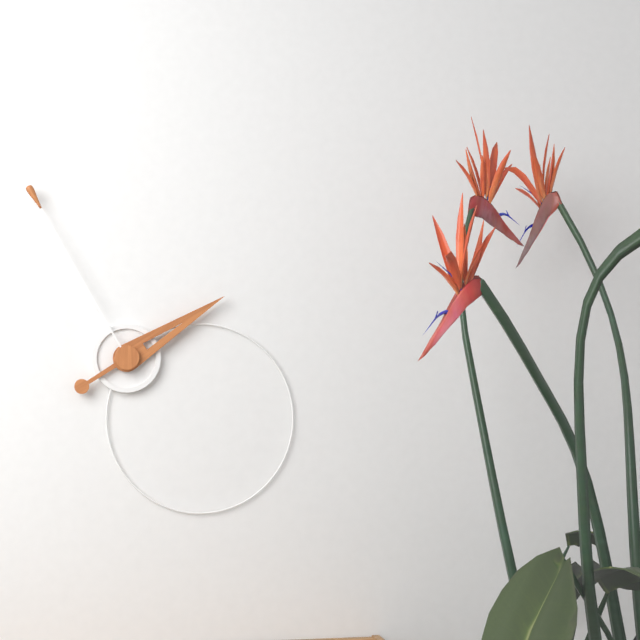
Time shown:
**1:55**
